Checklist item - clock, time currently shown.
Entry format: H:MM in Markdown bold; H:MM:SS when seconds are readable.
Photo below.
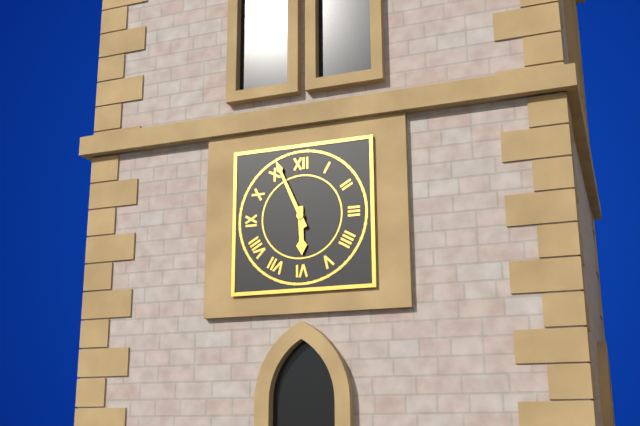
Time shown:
**5:56**
